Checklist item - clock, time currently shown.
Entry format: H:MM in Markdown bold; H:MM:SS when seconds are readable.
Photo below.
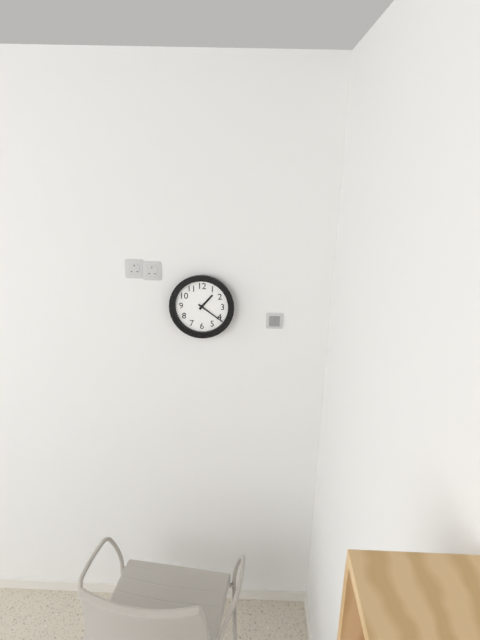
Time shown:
**1:21**
